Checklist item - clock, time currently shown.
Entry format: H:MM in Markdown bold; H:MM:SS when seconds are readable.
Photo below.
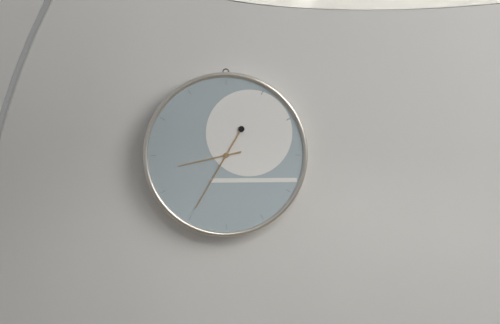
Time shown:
**8:35**
